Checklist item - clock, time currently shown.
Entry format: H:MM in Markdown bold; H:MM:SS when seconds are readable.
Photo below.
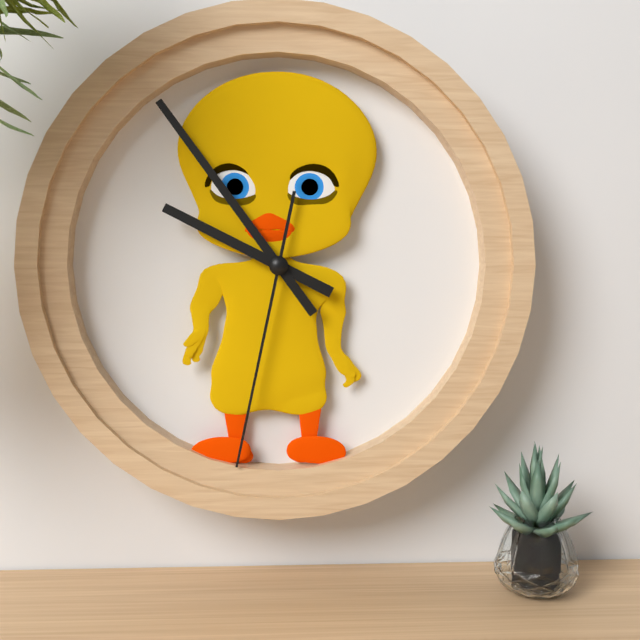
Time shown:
**9:54:32**
